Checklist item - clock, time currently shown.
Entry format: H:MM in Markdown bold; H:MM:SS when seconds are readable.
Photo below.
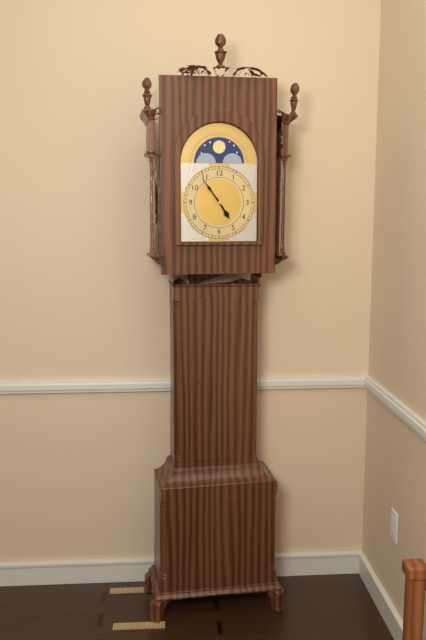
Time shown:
**4:54**
